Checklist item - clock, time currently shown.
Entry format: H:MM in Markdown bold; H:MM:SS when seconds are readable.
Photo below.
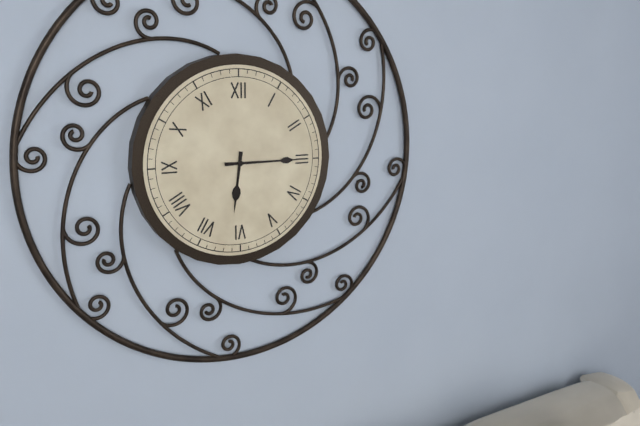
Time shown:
**6:15**
